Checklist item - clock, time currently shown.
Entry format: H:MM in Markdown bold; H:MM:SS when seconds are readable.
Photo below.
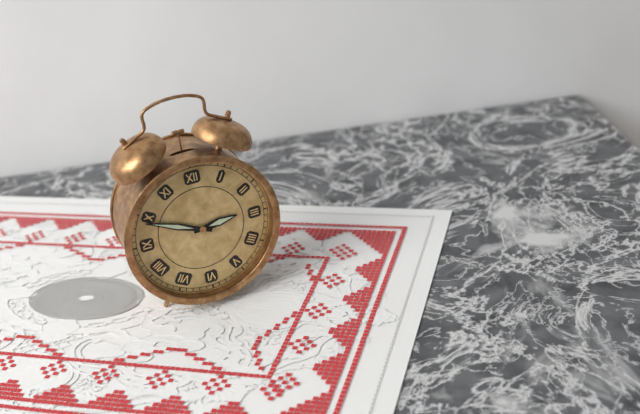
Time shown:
**2:49**
